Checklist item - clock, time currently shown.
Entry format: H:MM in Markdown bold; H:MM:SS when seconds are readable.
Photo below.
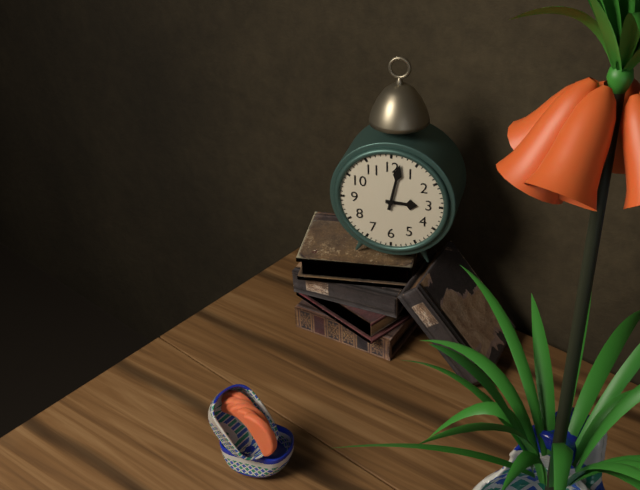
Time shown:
**3:02**
